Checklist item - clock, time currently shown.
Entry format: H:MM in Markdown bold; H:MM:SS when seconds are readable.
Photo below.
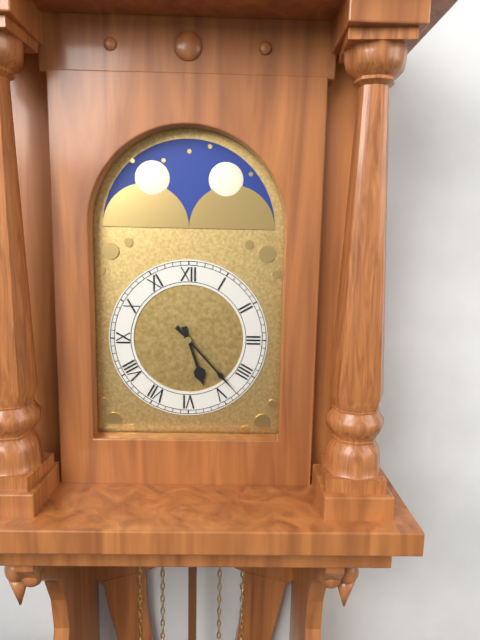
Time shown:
**5:23**
